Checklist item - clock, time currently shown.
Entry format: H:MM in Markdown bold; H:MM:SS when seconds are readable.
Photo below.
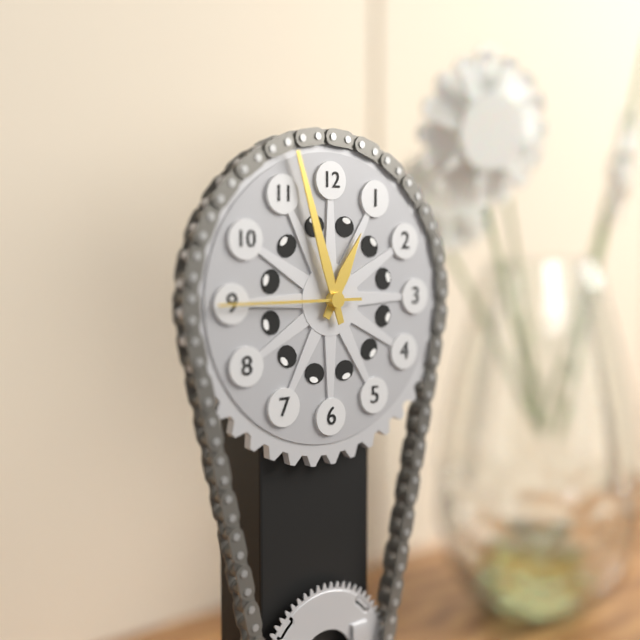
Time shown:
**12:57:45**
